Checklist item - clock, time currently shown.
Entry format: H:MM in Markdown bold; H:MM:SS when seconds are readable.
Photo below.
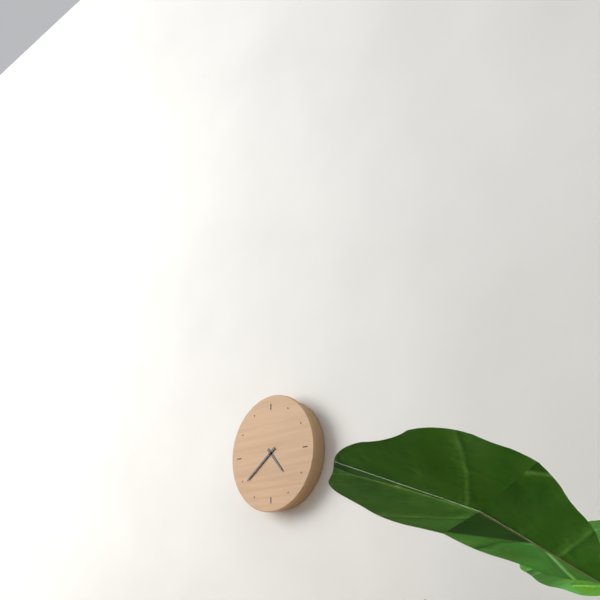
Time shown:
**4:39**
